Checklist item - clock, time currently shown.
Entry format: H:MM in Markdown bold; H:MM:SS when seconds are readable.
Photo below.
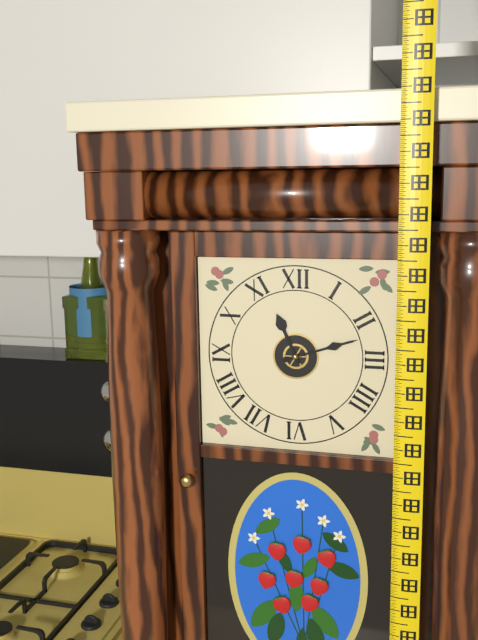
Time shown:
**11:12**
